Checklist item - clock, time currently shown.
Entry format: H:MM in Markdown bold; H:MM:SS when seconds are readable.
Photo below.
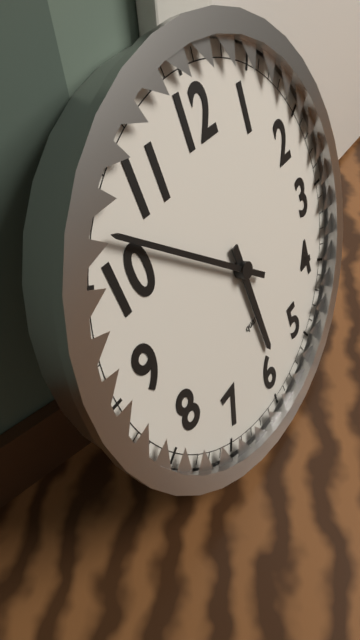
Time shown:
**5:52**
